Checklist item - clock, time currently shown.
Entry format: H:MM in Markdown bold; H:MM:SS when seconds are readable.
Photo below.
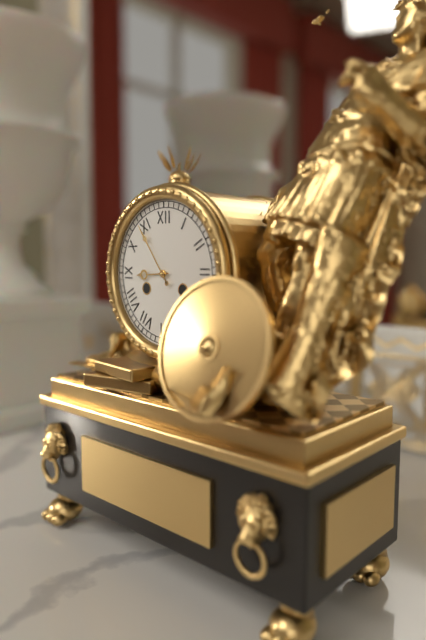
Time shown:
**8:54**
